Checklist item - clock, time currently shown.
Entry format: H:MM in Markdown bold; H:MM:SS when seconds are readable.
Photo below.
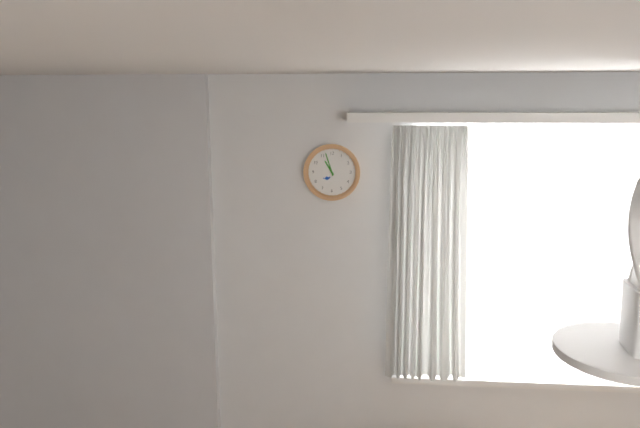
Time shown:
**10:57**
